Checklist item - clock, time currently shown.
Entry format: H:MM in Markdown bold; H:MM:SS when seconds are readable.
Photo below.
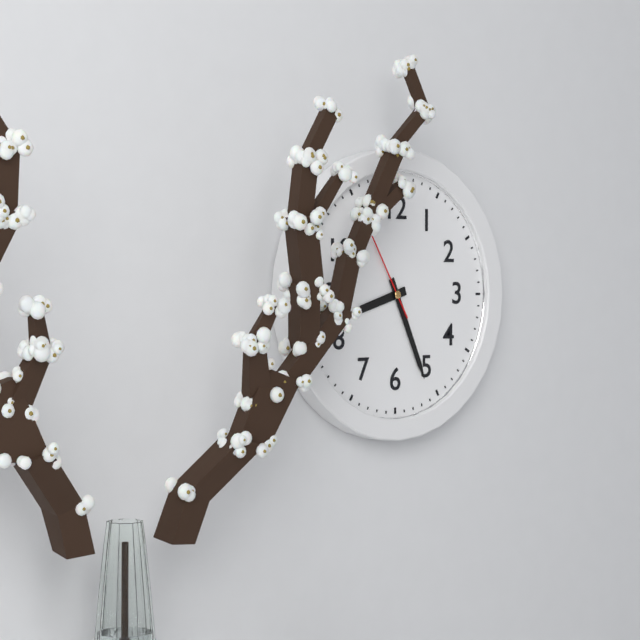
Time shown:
**8:26:55**
